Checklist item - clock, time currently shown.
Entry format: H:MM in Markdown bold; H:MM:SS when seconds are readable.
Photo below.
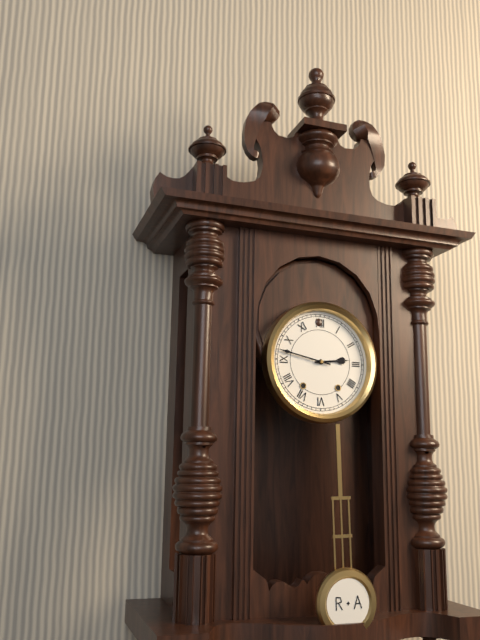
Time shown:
**2:47**
